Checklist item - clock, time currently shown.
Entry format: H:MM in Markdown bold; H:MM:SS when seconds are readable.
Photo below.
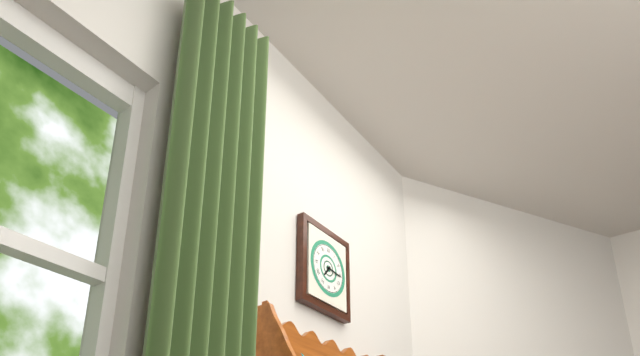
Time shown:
**7:16**
